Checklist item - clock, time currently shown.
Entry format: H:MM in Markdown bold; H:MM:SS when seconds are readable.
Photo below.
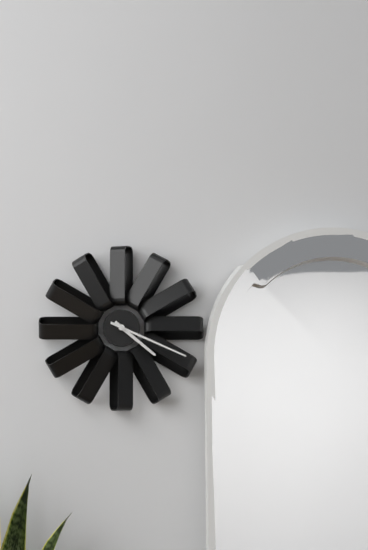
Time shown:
**4:19**
